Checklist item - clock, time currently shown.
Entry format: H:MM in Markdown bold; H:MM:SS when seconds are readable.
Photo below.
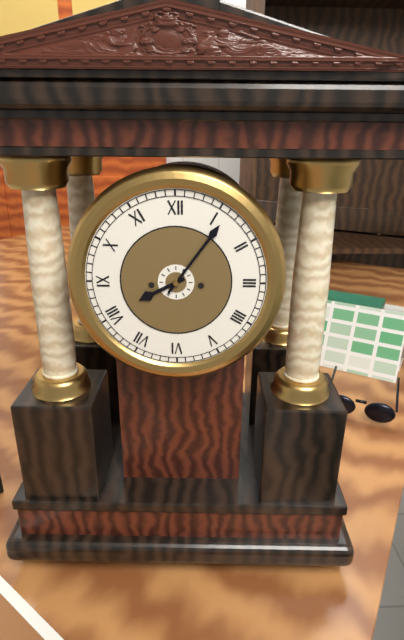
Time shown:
**8:06**
